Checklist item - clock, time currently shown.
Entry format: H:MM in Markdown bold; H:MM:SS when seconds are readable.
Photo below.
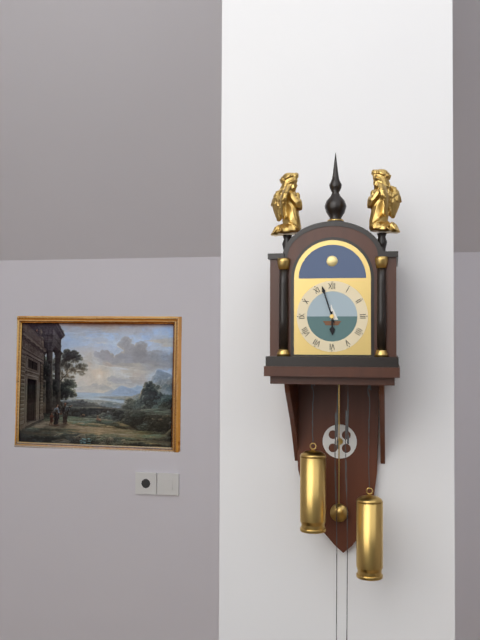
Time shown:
**5:57**
